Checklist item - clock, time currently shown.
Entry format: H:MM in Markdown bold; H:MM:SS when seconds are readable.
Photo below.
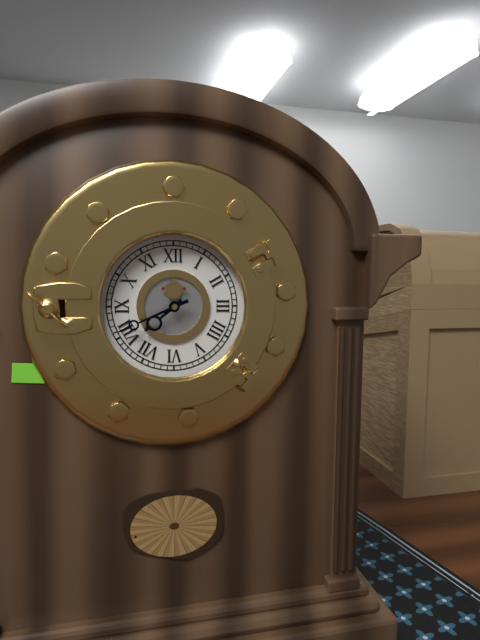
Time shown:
**7:41**
